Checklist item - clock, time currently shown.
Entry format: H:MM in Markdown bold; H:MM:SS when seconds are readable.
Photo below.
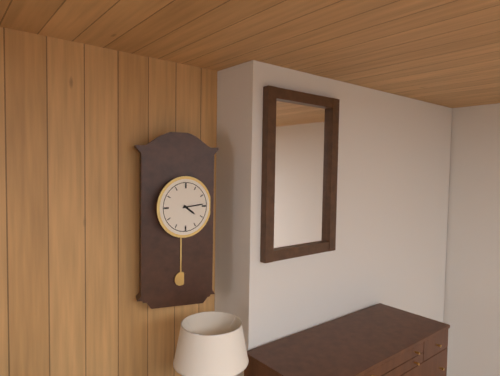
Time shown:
**4:14**
